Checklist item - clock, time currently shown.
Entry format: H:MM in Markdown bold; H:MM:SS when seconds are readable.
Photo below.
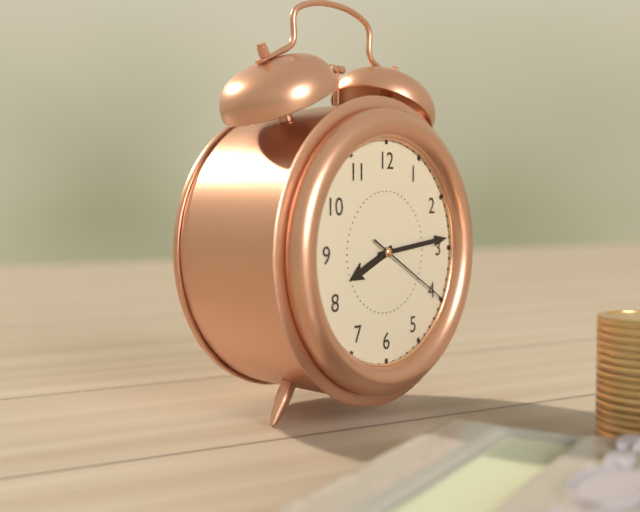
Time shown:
**8:14:20**
